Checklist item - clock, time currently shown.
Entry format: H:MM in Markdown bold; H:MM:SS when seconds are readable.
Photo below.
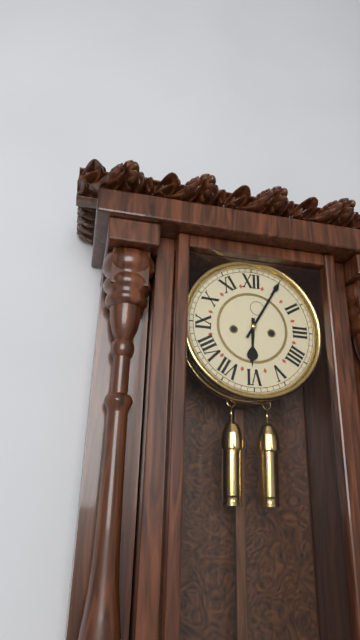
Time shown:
**6:05**
